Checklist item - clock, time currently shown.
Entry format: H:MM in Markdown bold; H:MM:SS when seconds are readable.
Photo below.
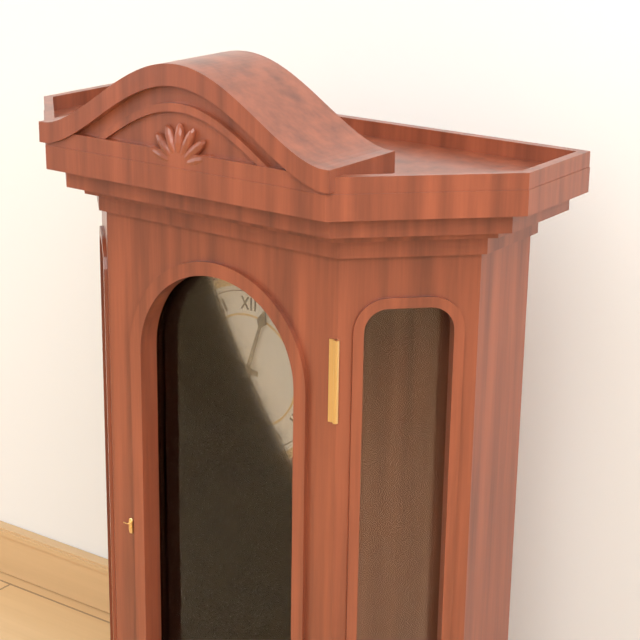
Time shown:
**9:03**
